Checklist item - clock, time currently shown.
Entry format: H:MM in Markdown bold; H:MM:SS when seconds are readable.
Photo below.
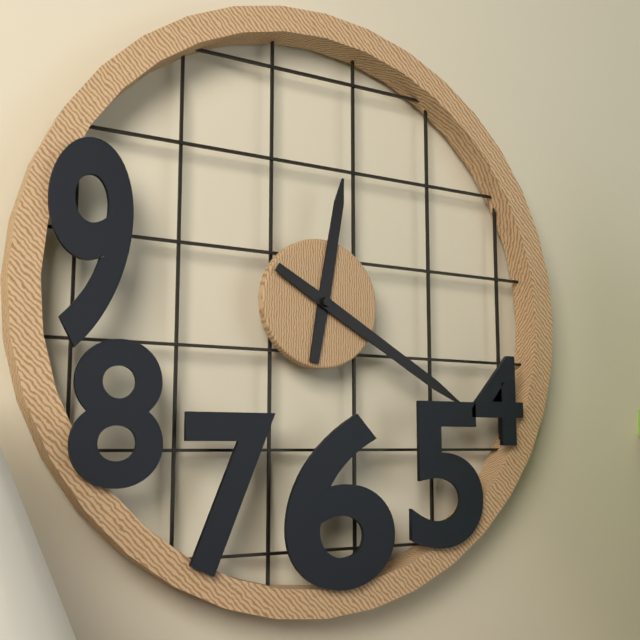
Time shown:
**12:20**
